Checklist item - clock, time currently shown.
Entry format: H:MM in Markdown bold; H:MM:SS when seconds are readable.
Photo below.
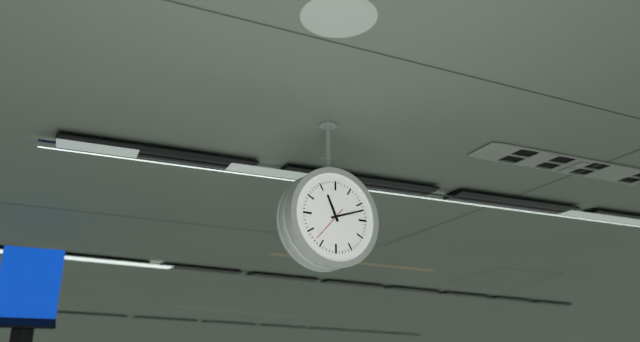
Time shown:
**11:12**
